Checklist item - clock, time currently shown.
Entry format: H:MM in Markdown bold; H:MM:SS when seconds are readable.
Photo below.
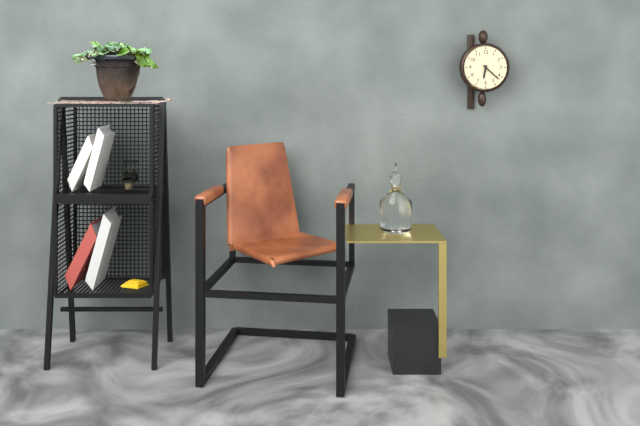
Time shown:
**6:22**
